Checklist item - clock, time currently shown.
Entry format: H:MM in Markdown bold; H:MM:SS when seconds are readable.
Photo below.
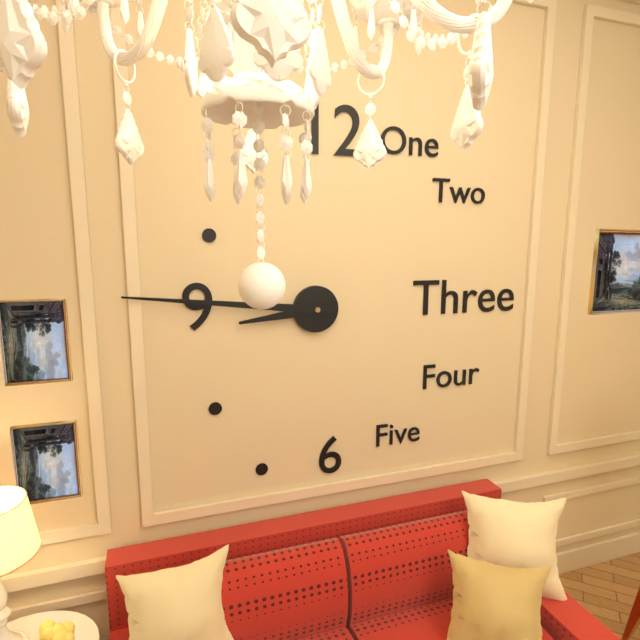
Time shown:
**8:46**
